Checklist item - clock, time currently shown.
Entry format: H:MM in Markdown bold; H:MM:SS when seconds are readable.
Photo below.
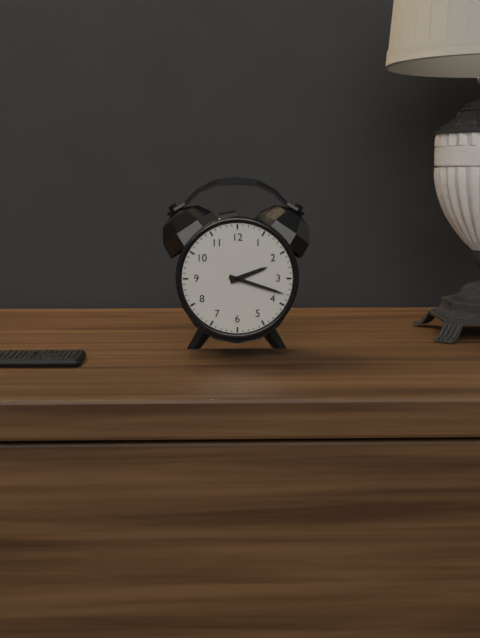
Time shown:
**2:18**
